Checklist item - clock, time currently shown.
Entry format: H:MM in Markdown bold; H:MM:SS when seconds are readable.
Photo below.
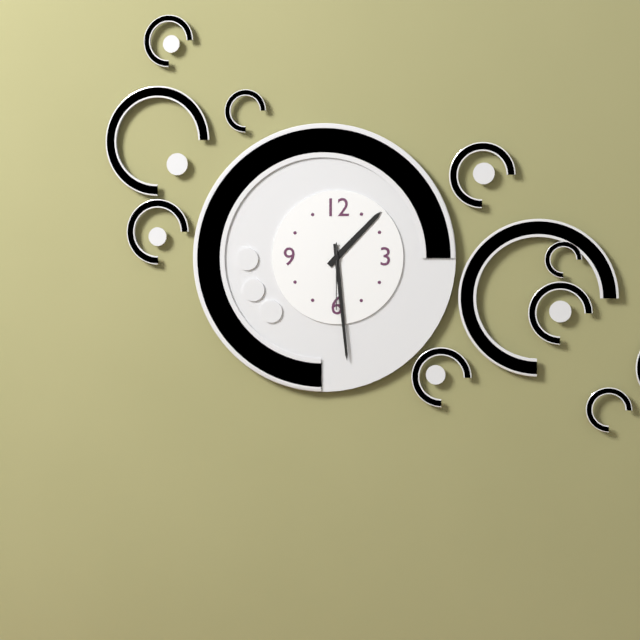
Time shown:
**1:29:30**
